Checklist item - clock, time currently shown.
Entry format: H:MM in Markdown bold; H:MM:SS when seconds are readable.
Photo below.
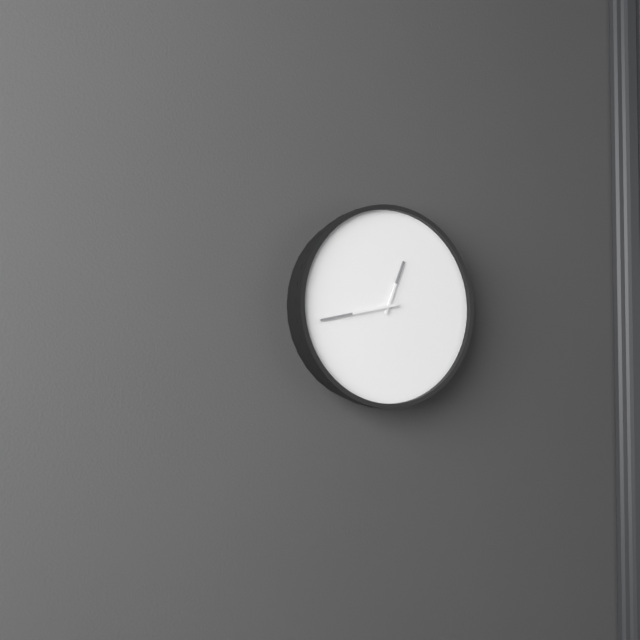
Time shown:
**12:43**
